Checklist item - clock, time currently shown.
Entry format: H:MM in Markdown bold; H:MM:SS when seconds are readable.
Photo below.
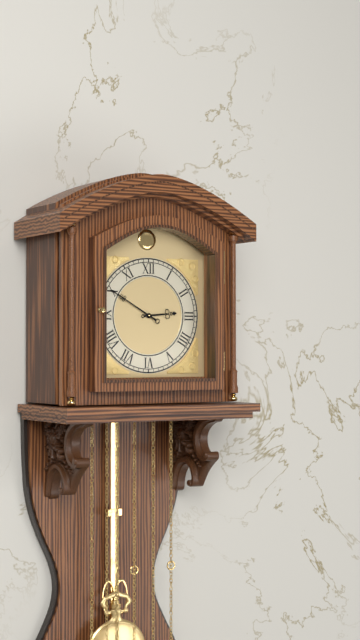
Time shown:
**2:50**
